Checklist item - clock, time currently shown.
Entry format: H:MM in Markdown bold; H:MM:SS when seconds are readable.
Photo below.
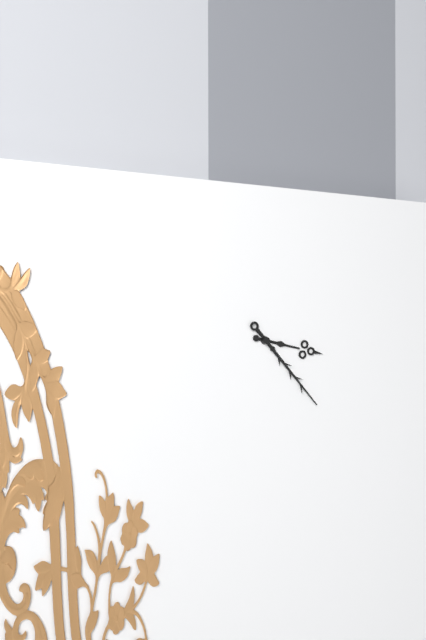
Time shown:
**3:23**
